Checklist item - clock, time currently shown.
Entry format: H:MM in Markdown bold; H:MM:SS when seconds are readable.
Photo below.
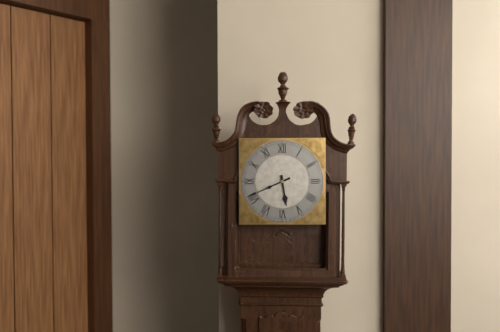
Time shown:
**5:41**
